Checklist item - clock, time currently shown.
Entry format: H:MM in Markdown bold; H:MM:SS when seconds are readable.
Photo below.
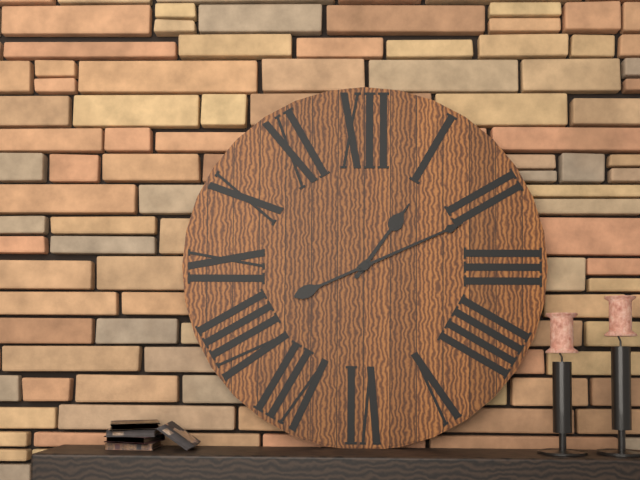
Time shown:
**1:11**
